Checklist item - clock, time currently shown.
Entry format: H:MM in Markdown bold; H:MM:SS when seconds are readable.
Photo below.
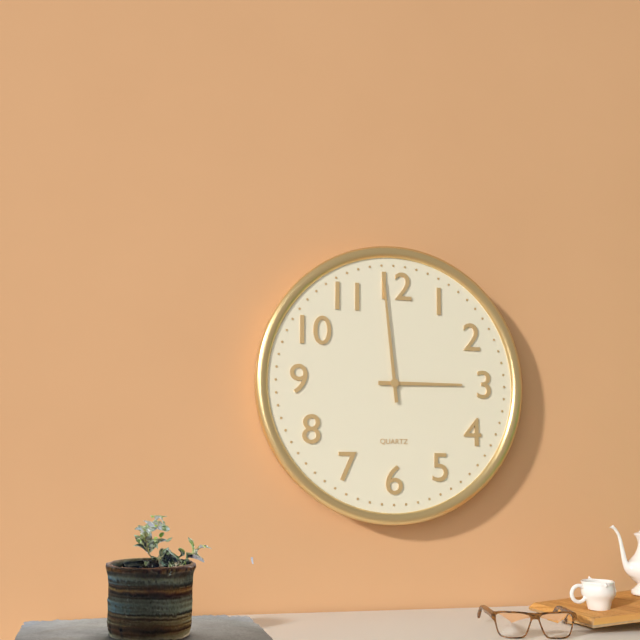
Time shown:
**2:59**
